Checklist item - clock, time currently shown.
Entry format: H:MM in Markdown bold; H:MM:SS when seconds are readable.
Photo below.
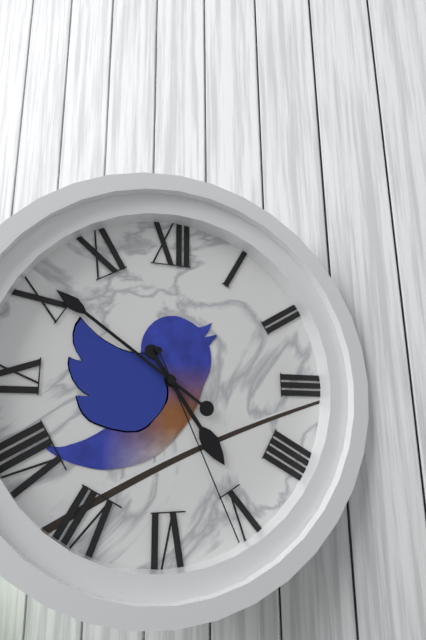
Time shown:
**4:51:26**
